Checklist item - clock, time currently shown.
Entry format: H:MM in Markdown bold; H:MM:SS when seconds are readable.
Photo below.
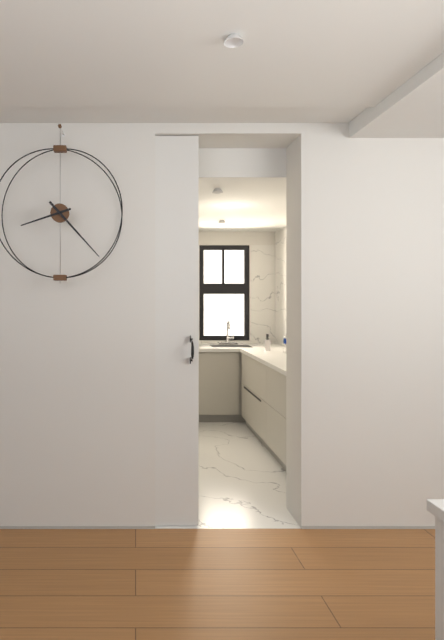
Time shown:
**8:23**
